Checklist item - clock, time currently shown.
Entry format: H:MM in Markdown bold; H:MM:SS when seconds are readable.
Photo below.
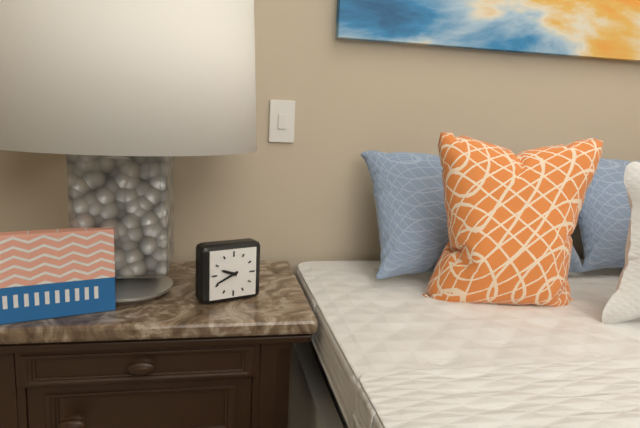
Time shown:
**9:41**
